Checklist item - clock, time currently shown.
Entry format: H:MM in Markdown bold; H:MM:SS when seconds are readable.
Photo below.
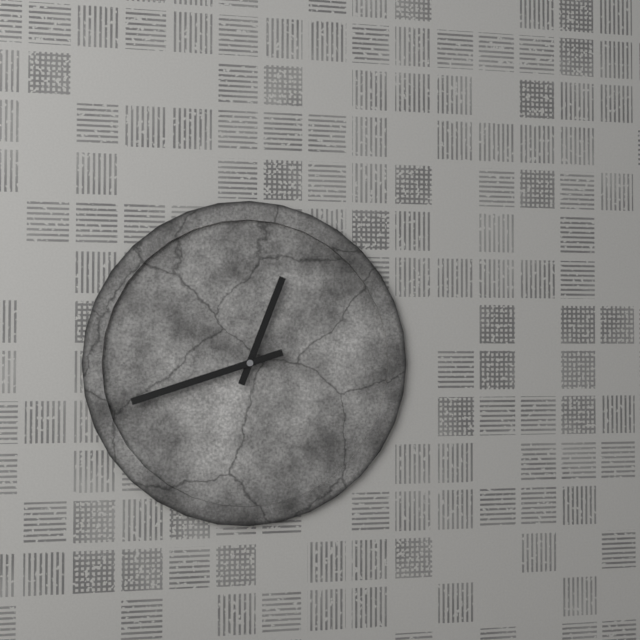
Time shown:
**12:42**
